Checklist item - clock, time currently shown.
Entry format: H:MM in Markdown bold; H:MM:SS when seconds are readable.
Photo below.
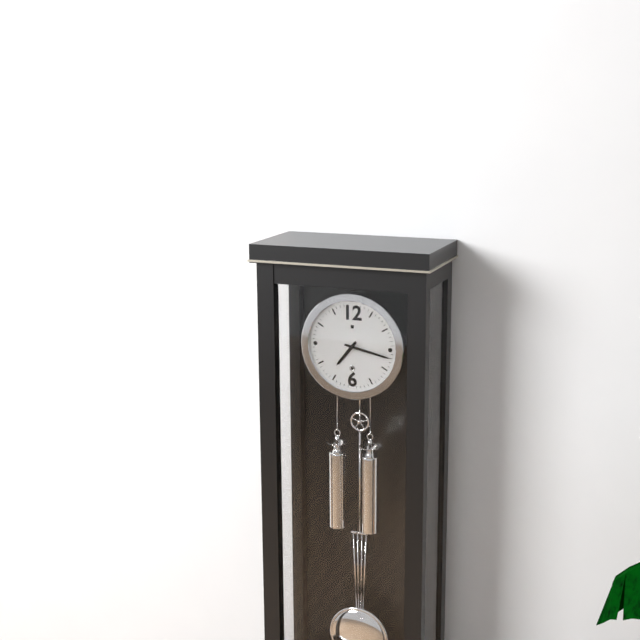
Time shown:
**7:17**
